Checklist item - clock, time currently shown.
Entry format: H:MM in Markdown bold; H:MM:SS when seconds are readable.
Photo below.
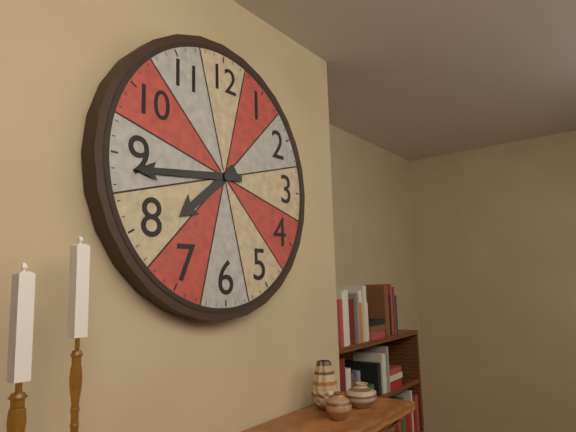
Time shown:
**7:44**
